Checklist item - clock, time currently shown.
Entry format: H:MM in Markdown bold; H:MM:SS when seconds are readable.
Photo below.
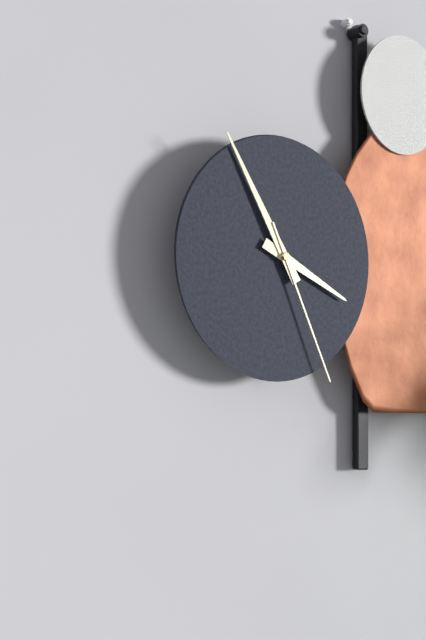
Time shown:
**3:55:26**
